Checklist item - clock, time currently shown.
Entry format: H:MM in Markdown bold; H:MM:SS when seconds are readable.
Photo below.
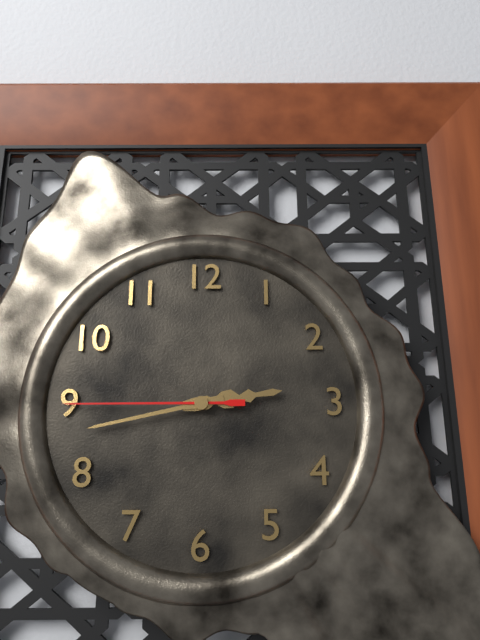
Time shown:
**2:43:45**
